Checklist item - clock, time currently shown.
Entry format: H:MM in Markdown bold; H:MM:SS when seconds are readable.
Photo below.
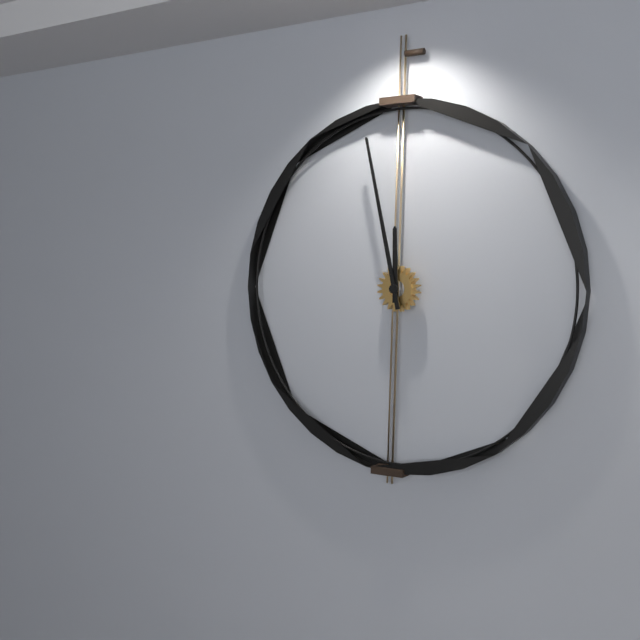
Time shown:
**11:58**
